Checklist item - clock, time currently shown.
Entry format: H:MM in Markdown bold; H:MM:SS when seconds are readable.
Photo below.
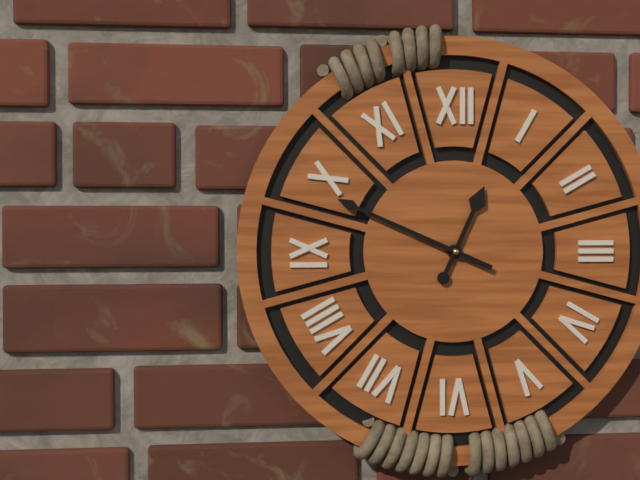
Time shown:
**12:49**
